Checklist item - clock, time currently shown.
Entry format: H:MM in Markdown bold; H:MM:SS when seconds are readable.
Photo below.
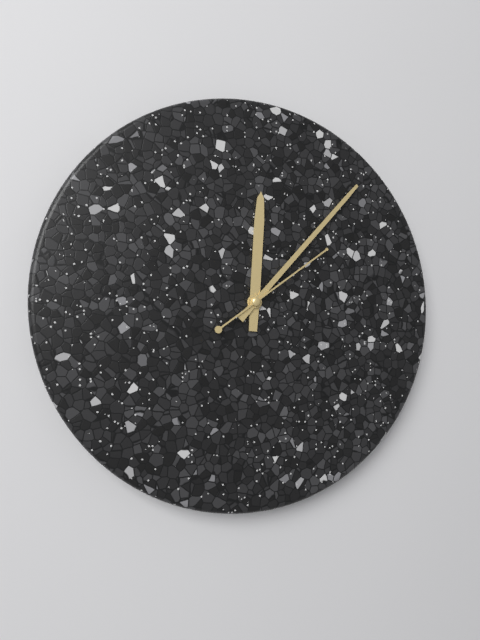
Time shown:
**12:07:09**
